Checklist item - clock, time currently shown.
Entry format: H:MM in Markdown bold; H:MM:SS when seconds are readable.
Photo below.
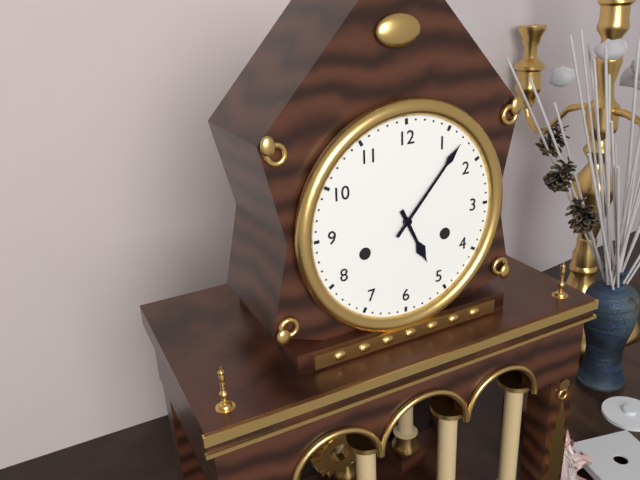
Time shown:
**5:07**
